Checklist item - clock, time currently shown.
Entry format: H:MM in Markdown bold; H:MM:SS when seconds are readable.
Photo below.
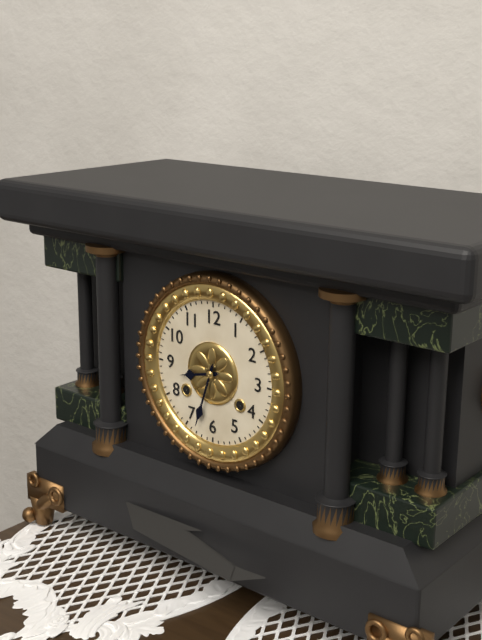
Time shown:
**8:33**
